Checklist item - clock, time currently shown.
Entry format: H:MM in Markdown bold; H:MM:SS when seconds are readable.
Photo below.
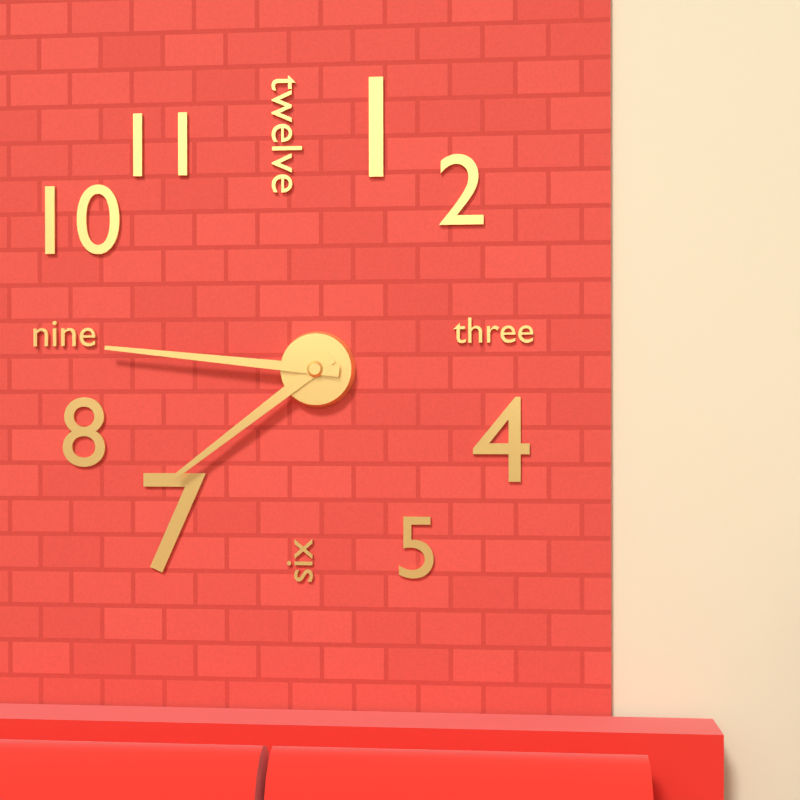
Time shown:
**7:46**
